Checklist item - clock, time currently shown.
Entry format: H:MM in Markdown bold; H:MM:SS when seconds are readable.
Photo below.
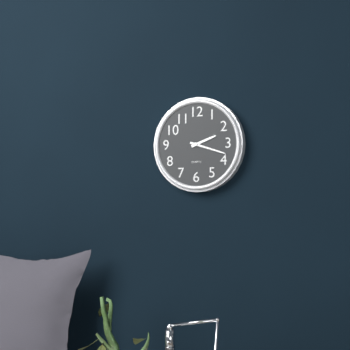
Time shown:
**2:18**
